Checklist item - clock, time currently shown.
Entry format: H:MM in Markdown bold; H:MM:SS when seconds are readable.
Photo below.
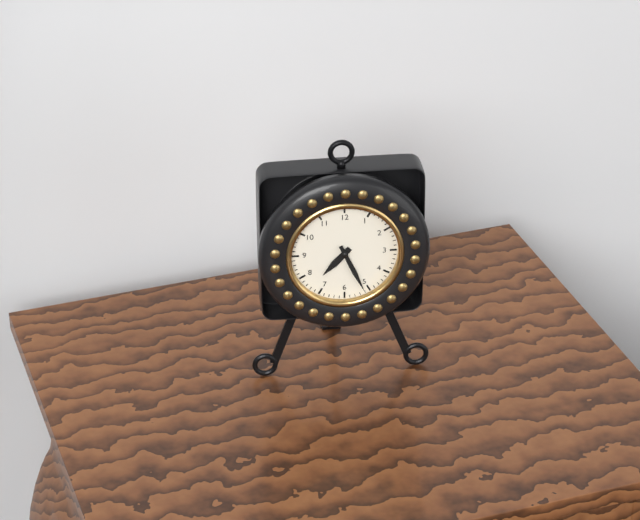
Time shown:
**7:26**
